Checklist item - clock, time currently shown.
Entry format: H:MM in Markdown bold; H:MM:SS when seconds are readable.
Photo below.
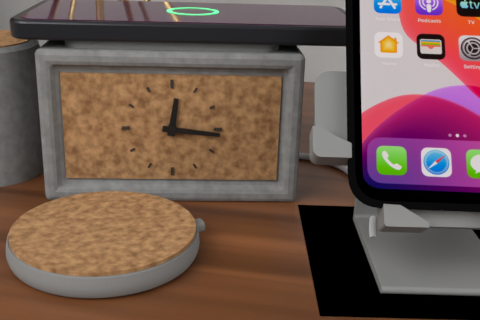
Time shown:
**12:16**
